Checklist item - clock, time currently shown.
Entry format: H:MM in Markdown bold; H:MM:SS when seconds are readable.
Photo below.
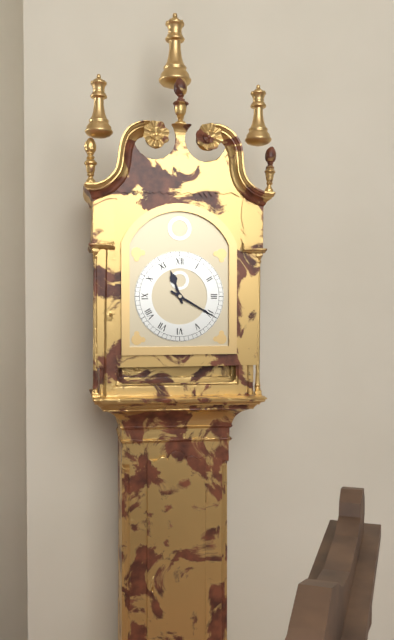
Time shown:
**11:20**
